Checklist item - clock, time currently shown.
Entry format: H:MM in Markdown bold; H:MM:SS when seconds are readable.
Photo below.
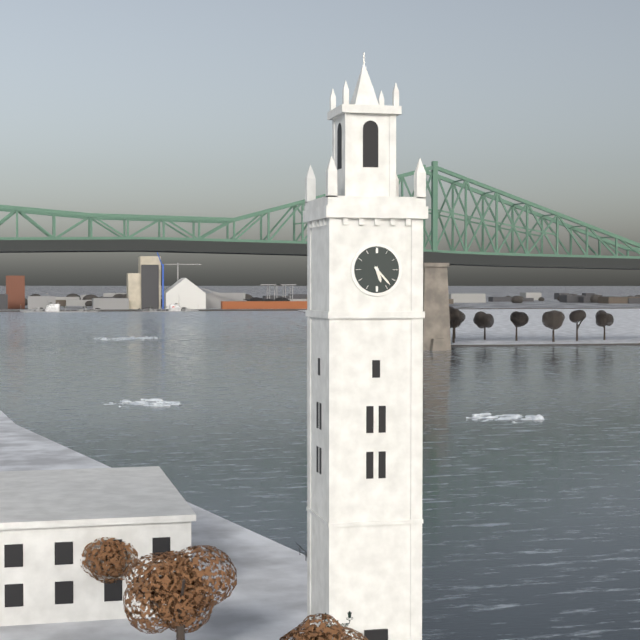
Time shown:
**5:23**
